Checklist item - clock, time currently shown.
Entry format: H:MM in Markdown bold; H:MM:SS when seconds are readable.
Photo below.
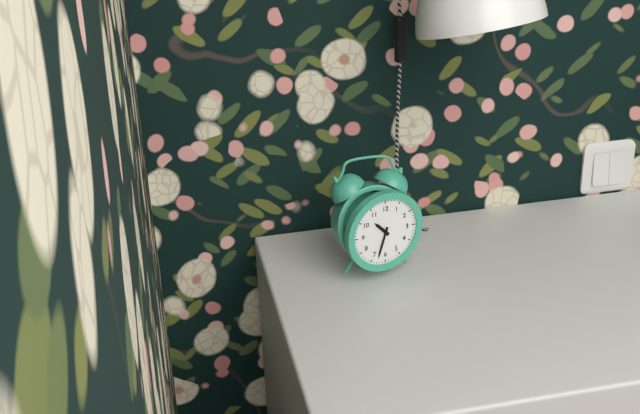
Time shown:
**10:33**
